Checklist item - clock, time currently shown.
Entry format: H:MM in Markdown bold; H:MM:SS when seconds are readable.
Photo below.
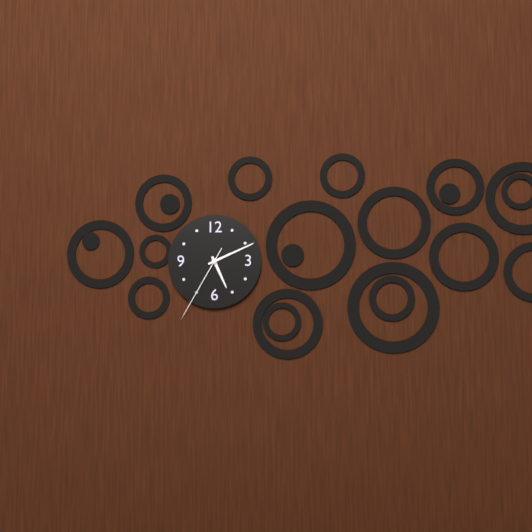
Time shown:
**5:11:35**
